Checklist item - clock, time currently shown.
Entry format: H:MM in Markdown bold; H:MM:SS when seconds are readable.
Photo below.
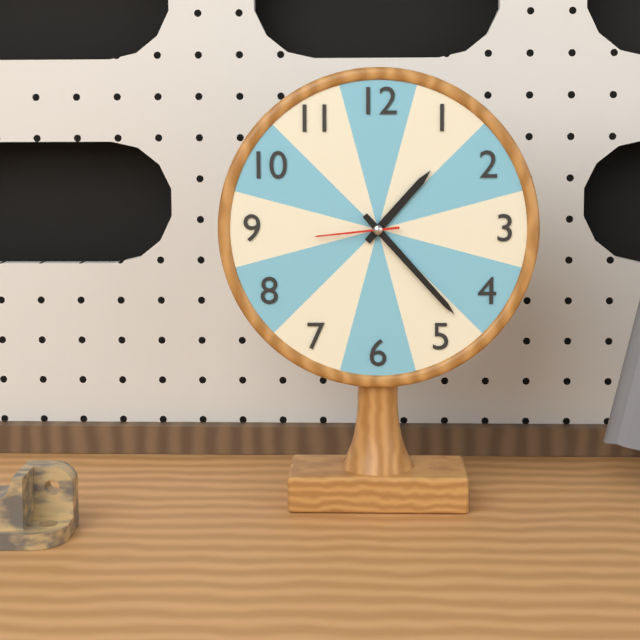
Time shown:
**1:23:44**
